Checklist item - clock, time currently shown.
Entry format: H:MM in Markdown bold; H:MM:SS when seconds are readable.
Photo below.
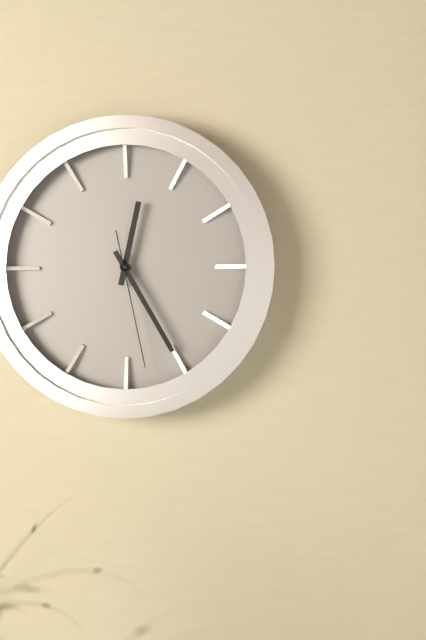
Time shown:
**12:25:28**
